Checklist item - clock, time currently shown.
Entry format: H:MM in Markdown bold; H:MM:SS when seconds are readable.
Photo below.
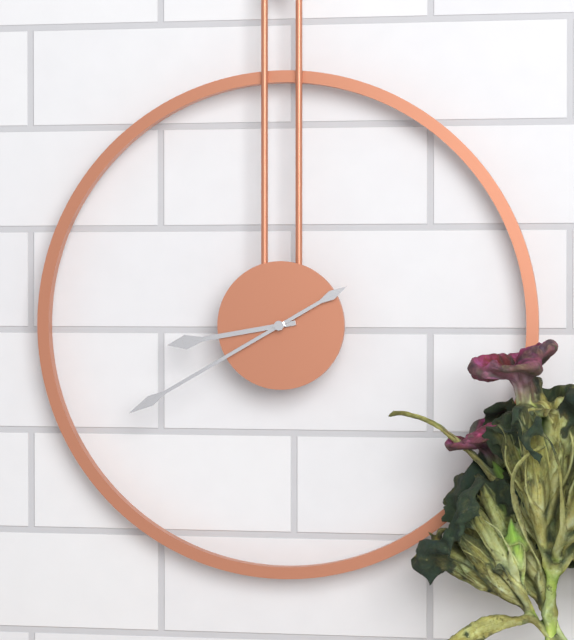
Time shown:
**8:40**
